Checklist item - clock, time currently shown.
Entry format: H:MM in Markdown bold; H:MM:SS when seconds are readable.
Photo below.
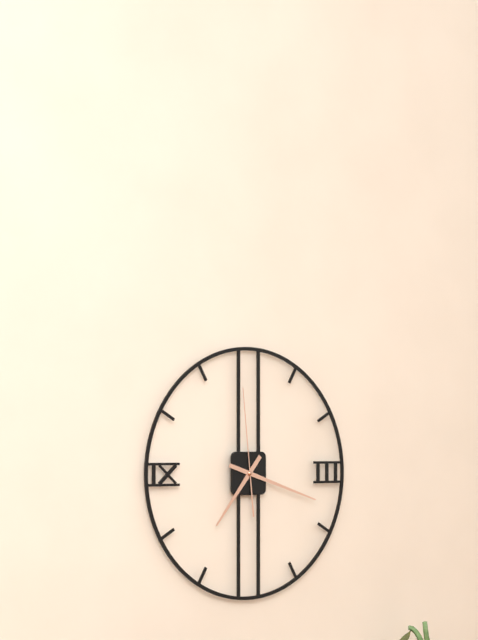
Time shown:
**7:18:59**
